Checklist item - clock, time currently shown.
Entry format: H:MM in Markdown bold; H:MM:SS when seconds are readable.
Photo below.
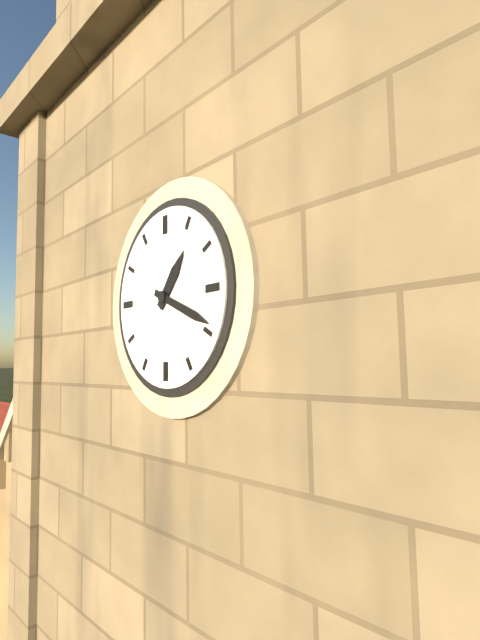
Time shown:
**1:19**
